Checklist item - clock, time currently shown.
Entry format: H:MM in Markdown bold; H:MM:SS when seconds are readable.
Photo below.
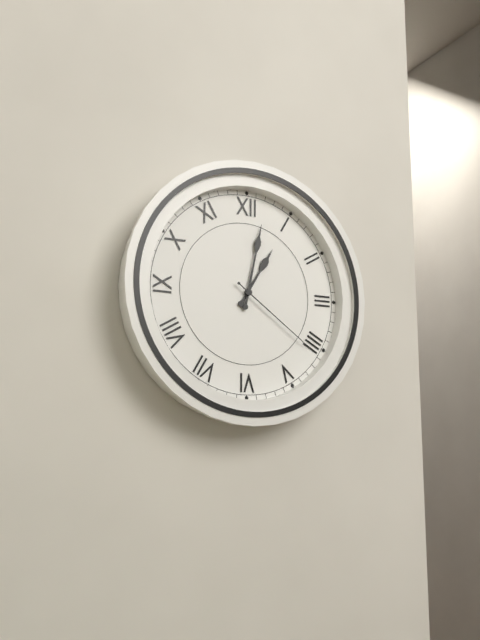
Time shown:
**1:02:21**
